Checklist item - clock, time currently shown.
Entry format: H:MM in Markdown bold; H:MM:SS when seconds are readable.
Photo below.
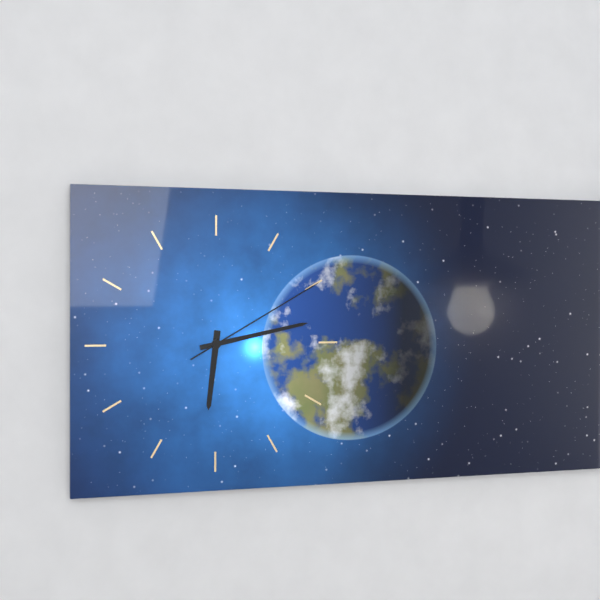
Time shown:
**6:13:10**
